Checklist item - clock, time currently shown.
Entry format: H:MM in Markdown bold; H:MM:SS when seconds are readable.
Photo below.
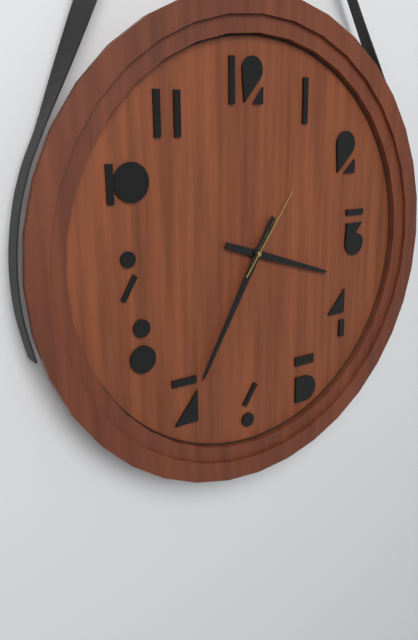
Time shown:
**3:35:06**
